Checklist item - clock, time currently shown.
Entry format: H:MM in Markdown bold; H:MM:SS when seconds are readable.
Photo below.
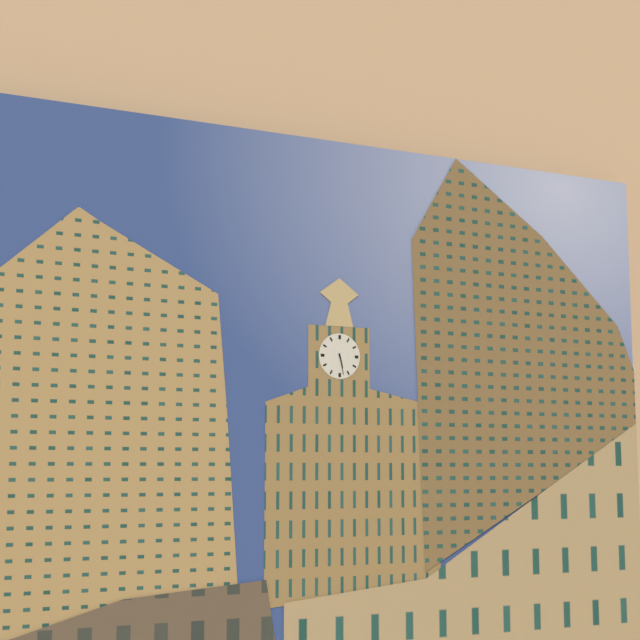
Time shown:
**5:28**
